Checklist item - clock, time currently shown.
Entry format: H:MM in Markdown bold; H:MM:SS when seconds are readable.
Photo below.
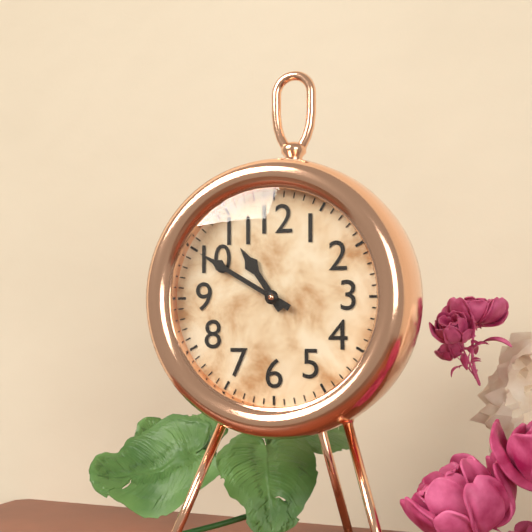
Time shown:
**10:50**
